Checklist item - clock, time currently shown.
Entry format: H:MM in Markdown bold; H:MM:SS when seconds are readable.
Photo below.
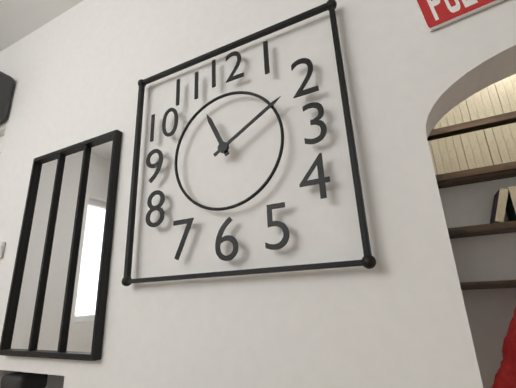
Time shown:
**11:10**
